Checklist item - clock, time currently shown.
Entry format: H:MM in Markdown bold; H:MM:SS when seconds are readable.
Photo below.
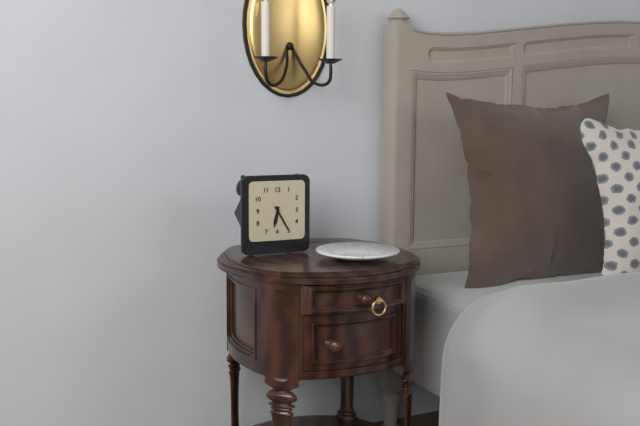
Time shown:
**6:25**
